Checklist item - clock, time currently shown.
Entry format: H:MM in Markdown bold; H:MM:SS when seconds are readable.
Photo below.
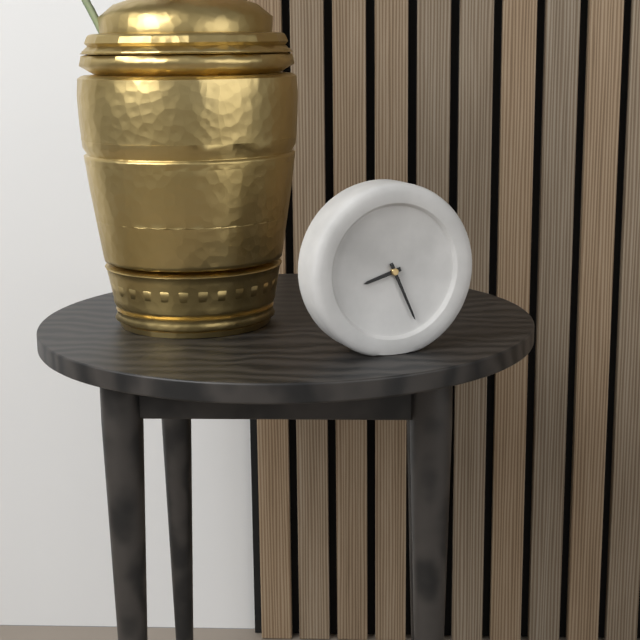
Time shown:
**8:26**
